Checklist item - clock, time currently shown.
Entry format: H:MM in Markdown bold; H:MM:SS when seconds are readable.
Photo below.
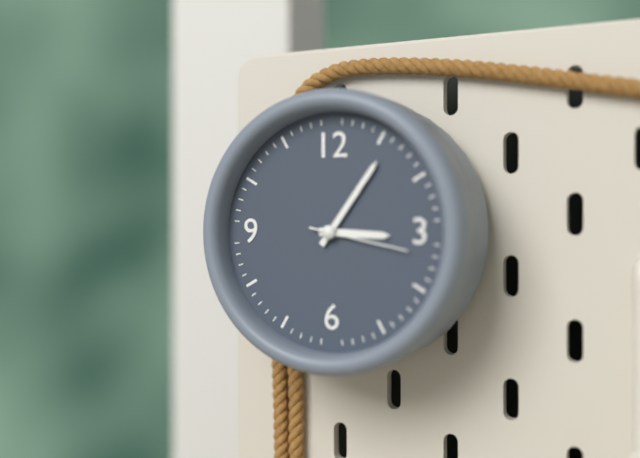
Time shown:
**3:06:17**
